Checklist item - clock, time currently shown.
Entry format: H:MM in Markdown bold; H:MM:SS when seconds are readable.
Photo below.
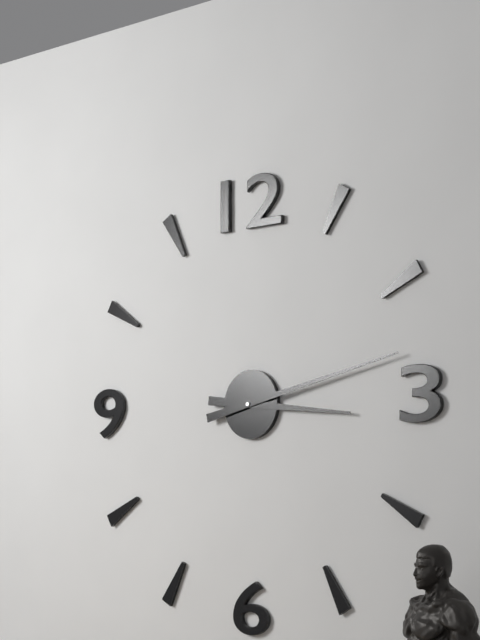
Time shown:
**3:13**
